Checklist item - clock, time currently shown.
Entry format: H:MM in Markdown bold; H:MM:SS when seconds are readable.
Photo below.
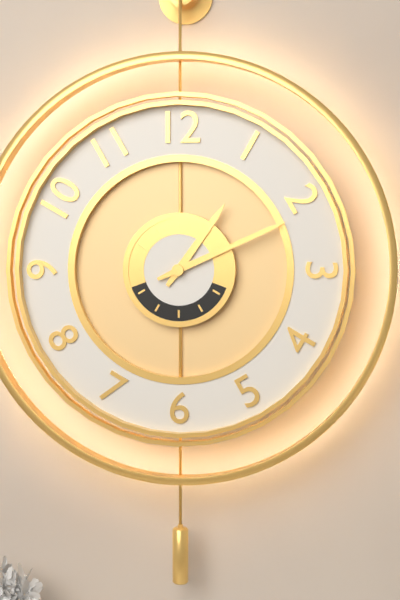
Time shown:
**1:11**
